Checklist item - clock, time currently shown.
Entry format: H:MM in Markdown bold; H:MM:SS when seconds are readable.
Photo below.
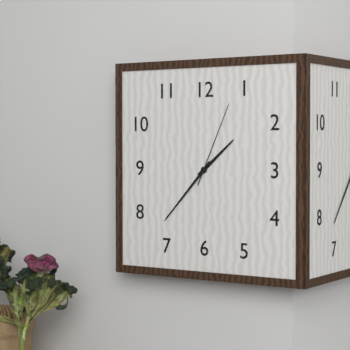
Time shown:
**1:37:04**
